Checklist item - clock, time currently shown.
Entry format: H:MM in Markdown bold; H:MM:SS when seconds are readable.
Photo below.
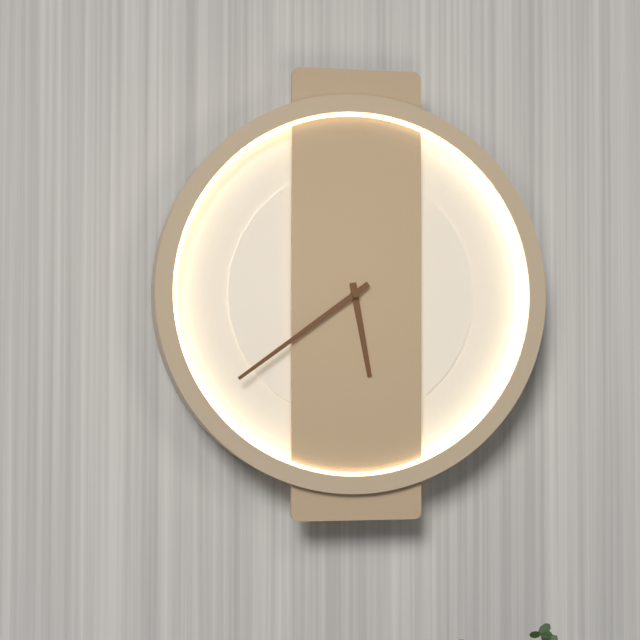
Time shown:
**5:39**
